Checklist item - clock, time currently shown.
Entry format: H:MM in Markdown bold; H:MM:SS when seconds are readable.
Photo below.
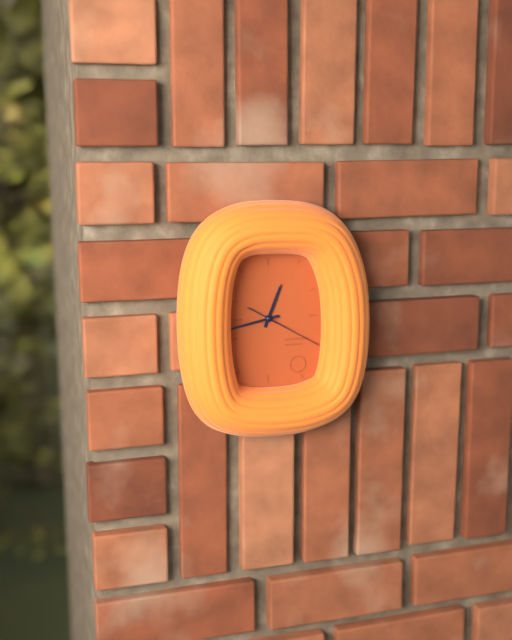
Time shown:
**12:43:20**
